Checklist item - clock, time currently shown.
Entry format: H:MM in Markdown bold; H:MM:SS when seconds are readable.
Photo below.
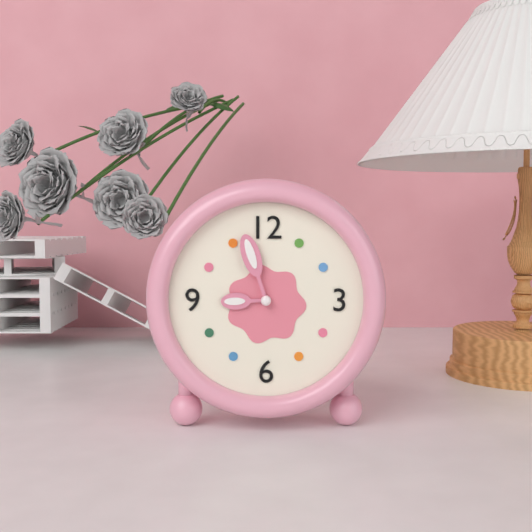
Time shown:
**8:57**
